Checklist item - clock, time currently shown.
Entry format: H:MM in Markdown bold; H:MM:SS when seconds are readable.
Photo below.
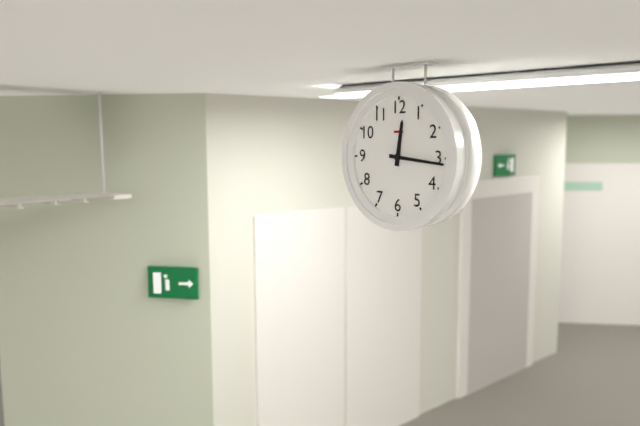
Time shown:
**12:16**
